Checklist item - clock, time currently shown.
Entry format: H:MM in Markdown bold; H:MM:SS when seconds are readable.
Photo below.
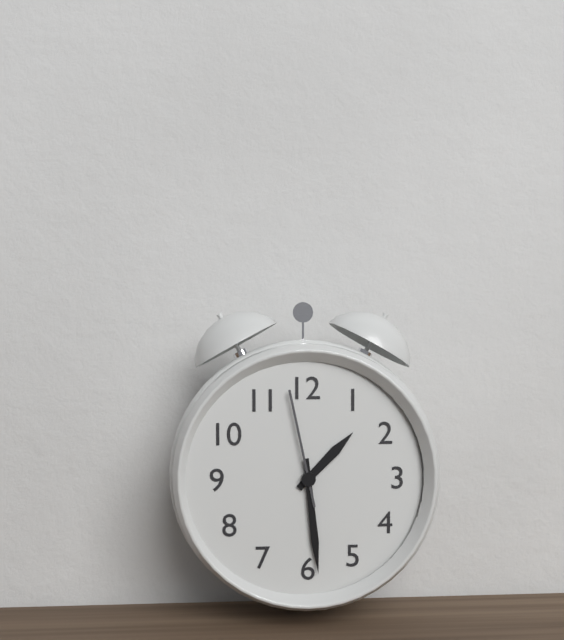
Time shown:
**1:29:58**
